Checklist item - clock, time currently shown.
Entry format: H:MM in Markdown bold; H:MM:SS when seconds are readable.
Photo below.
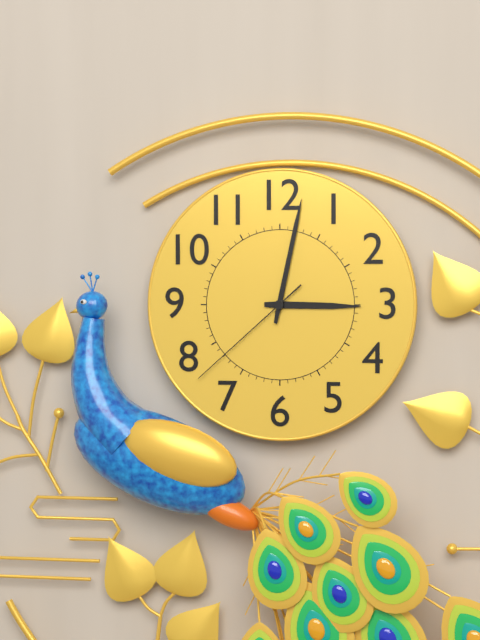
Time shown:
**3:02:38**
